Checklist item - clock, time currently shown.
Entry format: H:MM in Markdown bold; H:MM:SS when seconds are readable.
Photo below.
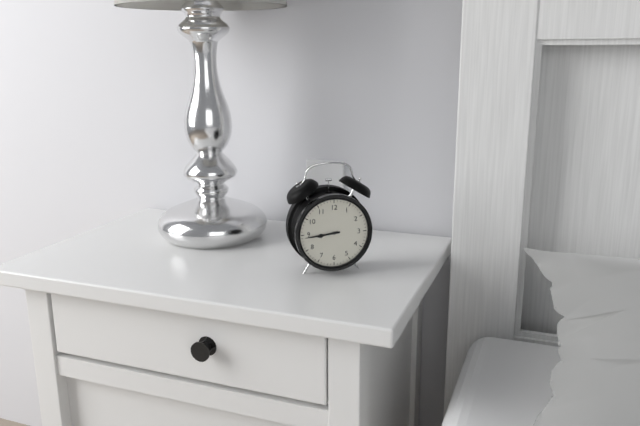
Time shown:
**8:44**
